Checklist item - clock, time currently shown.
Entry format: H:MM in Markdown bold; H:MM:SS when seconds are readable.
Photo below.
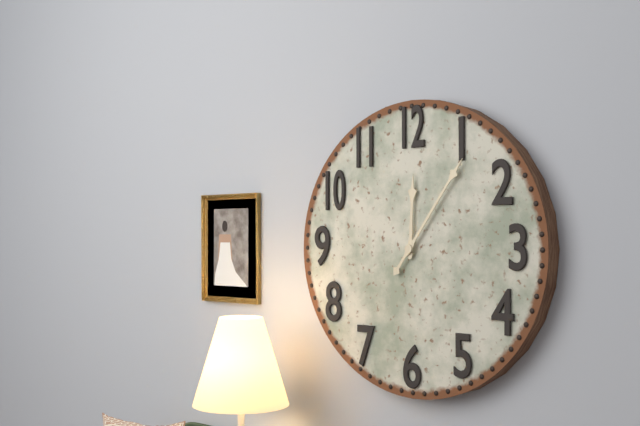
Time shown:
**12:06**
